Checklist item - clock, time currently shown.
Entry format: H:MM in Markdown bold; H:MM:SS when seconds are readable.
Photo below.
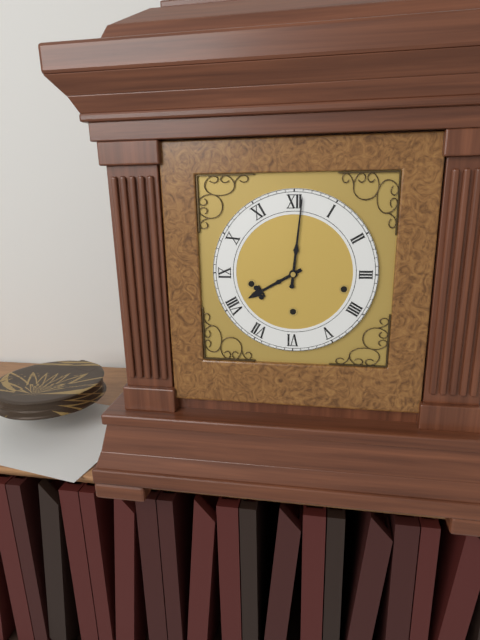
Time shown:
**8:01**
